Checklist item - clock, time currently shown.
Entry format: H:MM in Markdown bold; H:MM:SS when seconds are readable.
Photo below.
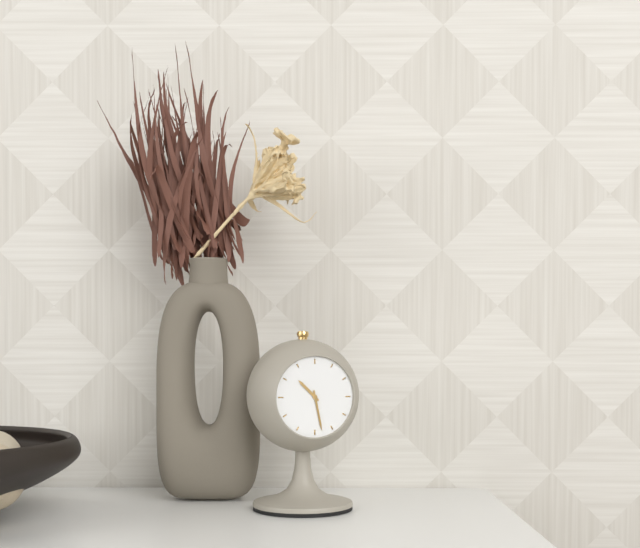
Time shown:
**10:28**
